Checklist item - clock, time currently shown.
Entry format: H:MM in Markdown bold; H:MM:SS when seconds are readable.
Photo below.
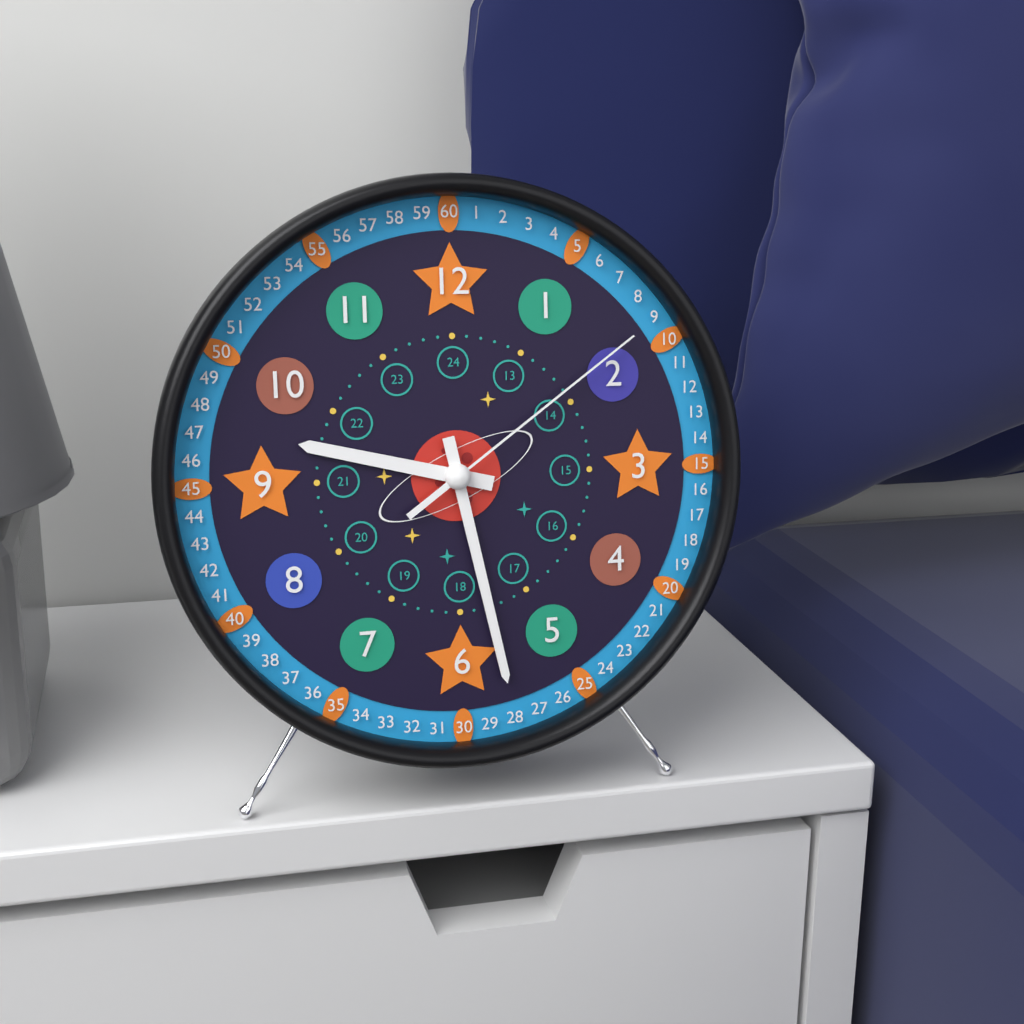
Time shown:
**9:28:09**
